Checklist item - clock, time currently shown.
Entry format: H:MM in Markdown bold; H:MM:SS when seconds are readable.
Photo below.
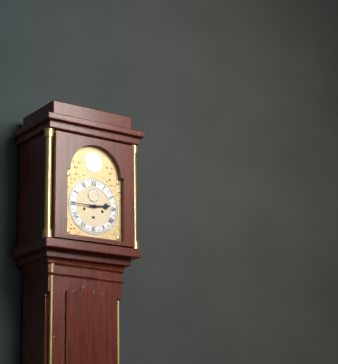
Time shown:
**2:45**
